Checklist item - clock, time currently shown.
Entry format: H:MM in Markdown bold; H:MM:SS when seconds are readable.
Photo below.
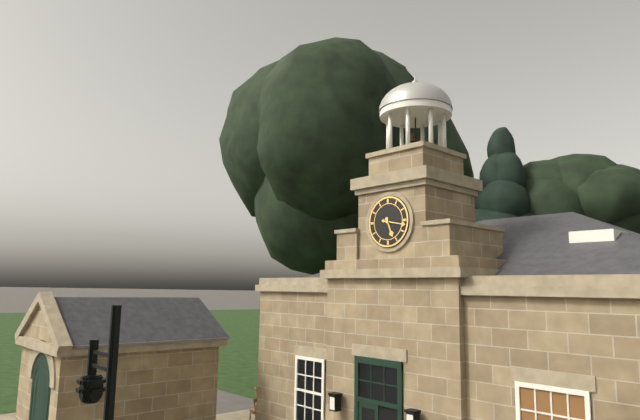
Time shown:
**5:17**
